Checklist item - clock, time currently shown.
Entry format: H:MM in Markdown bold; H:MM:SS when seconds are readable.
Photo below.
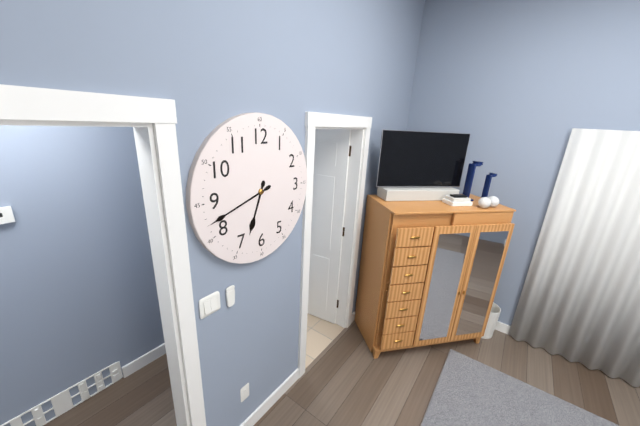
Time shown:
**6:42**
